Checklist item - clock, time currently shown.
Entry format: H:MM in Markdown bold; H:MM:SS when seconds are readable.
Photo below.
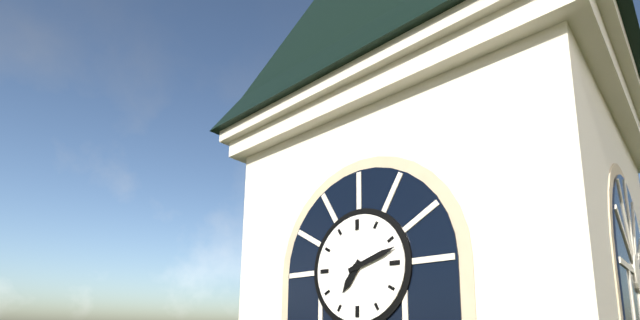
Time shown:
**7:12**
